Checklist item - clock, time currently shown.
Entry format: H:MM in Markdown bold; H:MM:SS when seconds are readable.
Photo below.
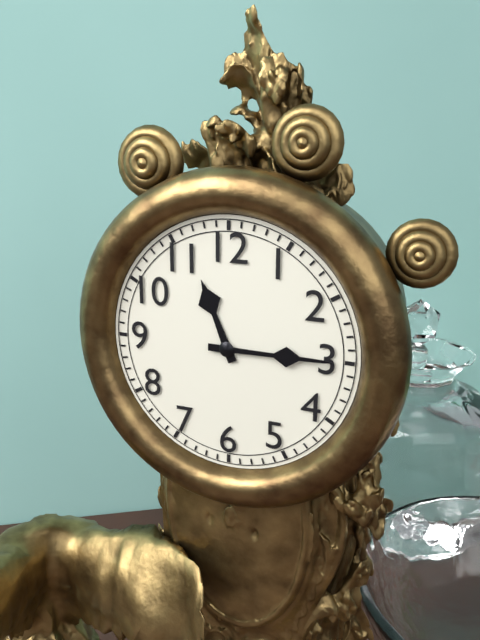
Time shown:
**11:15**
